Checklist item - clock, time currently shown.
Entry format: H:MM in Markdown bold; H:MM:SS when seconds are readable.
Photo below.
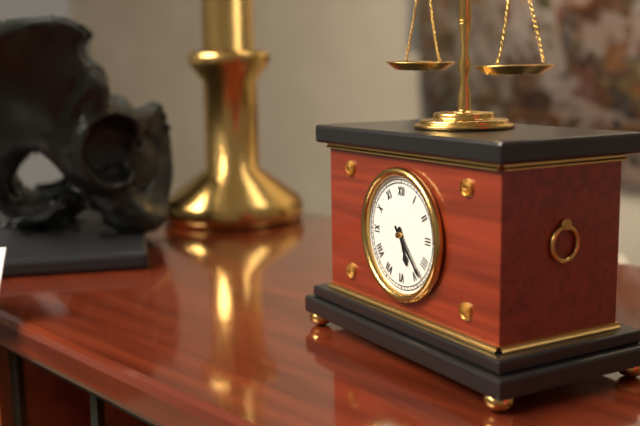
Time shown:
**5:23**
